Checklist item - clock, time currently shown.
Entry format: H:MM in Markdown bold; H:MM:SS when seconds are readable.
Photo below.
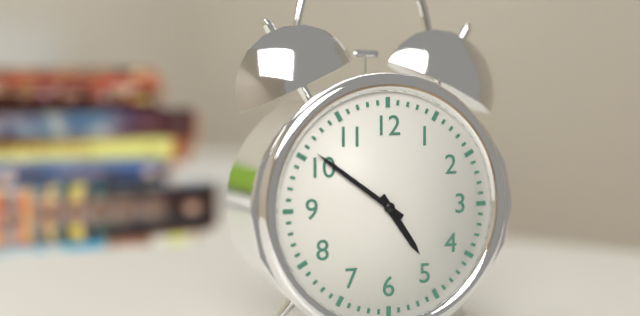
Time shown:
**4:51**
